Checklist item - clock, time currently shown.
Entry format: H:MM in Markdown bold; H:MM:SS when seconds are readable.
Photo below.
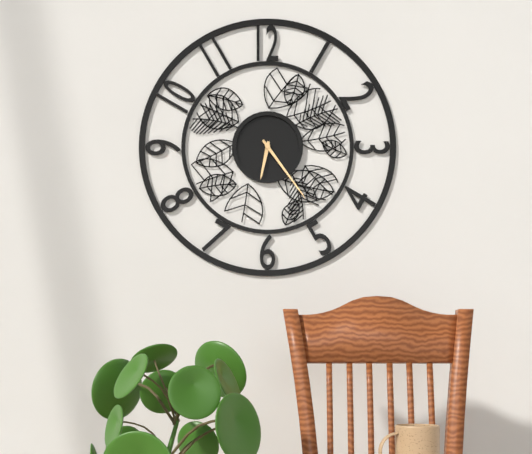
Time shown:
**6:24**
